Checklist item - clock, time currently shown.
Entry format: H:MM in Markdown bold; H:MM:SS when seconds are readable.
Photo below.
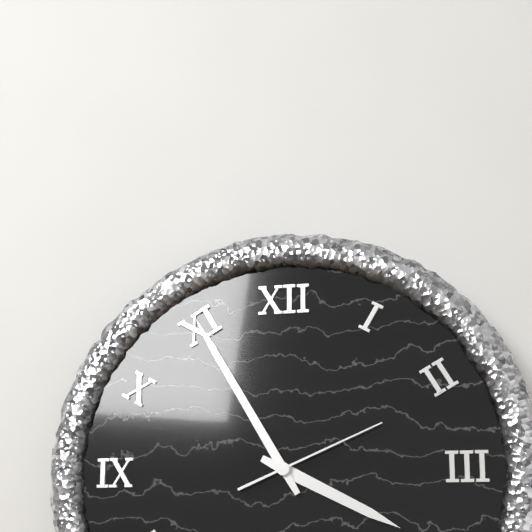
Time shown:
**3:55:11**
